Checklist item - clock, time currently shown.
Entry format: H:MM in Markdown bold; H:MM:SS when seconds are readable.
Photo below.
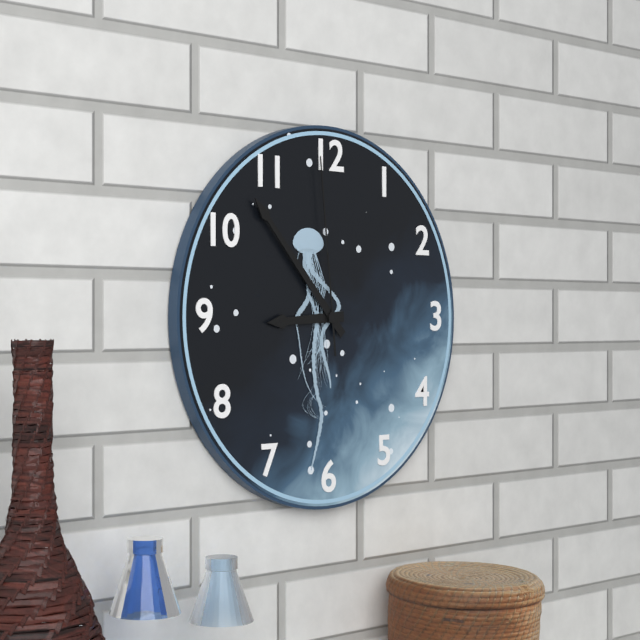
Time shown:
**8:53:59**
